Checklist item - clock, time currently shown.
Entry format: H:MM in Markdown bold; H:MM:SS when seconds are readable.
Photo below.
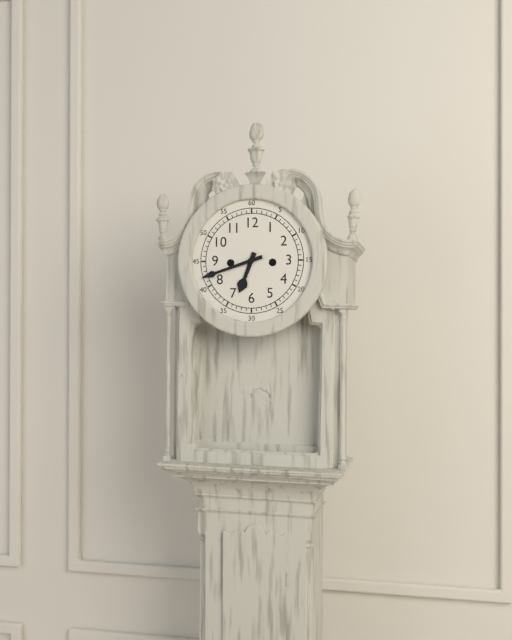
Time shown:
**6:42**
